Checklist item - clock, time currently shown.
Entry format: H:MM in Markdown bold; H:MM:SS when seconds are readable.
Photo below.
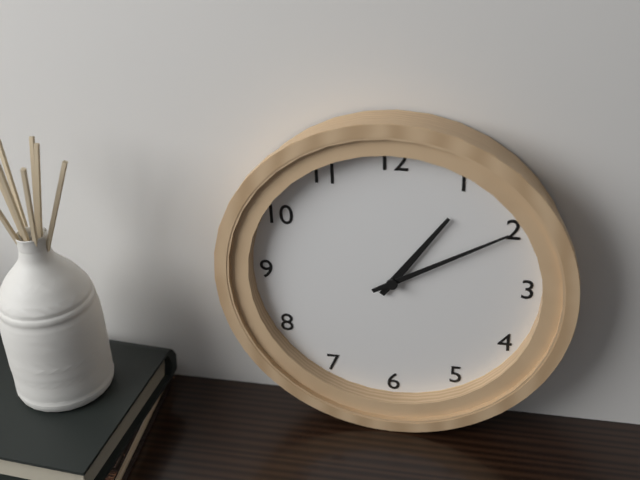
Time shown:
**1:10**
